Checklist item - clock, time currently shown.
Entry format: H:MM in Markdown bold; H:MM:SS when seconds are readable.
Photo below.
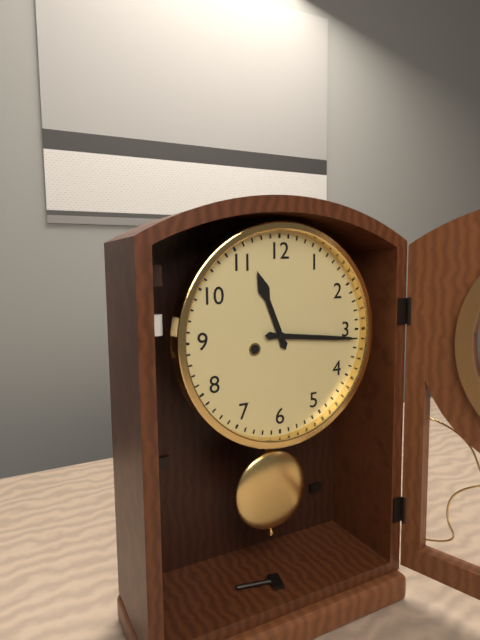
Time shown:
**11:16**
